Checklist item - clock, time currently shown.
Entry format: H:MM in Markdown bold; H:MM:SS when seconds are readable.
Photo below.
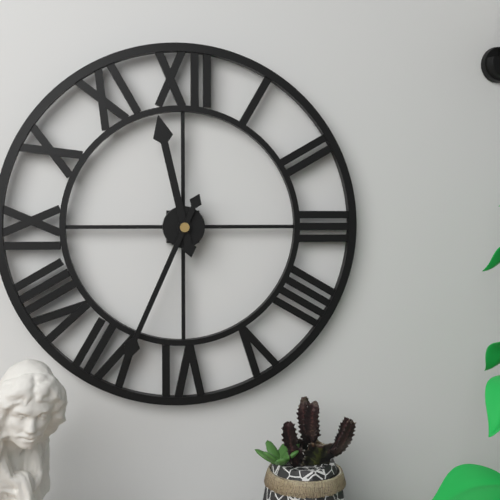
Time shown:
**11:34**
